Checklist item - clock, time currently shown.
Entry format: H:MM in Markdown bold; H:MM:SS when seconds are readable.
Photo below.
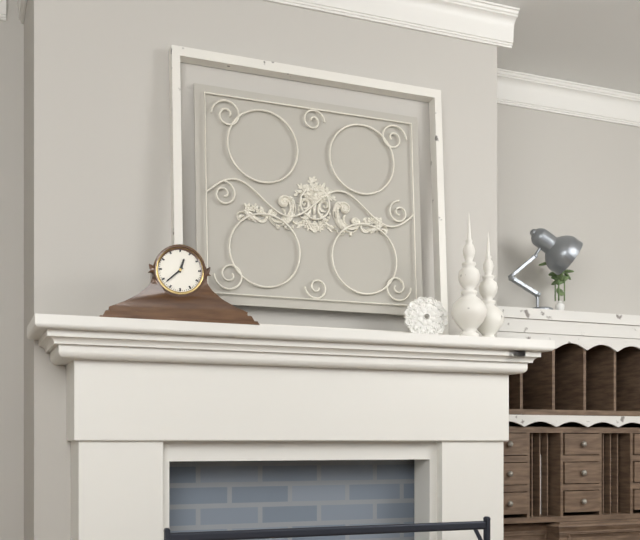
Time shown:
**12:38**
